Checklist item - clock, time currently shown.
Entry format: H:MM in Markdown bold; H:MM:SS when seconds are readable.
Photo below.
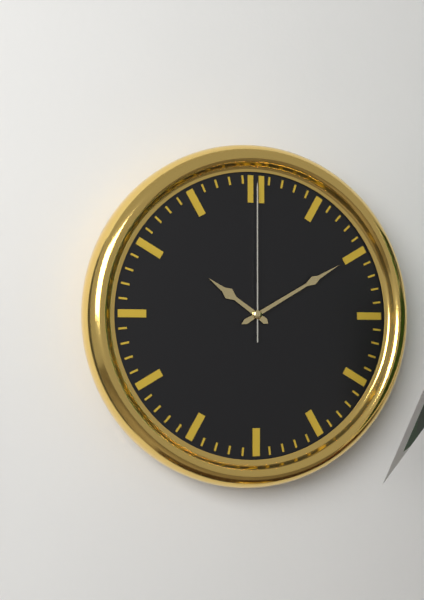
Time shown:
**10:10:00**
